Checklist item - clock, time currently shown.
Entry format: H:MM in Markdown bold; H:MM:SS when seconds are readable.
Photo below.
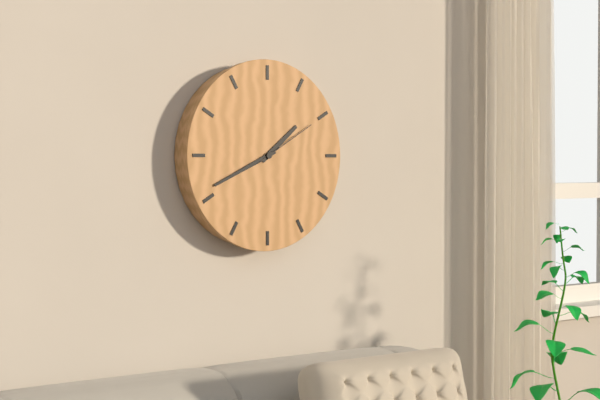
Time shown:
**1:41:10**
